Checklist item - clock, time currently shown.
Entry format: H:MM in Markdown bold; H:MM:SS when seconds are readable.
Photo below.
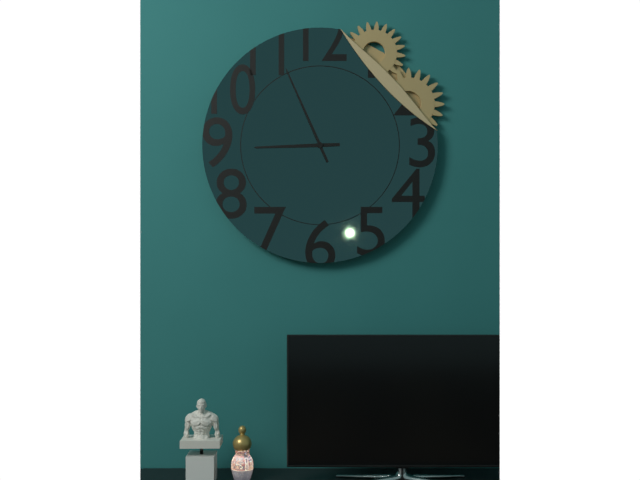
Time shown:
**8:56**
